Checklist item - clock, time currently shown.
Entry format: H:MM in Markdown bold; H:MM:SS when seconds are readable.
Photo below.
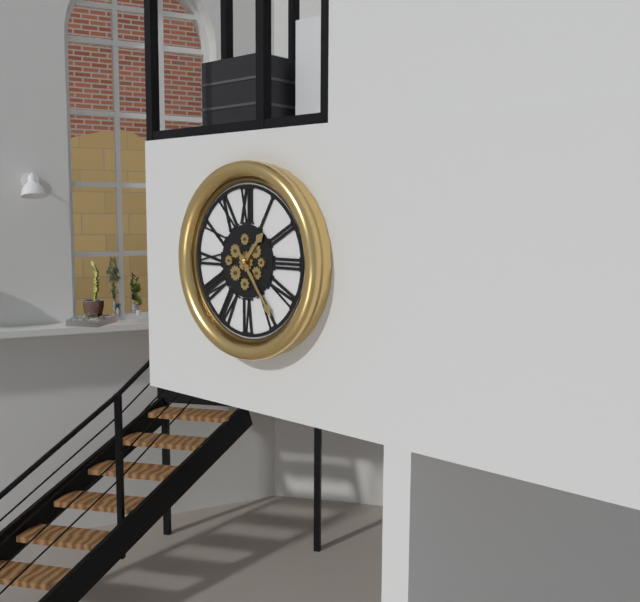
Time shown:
**1:24**
